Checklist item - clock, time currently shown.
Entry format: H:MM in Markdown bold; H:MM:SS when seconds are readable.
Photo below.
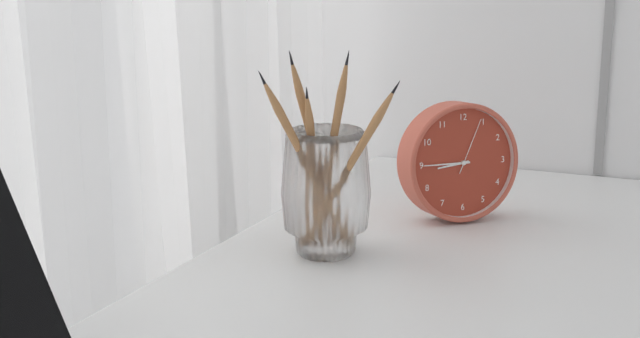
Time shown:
**8:45:04**
